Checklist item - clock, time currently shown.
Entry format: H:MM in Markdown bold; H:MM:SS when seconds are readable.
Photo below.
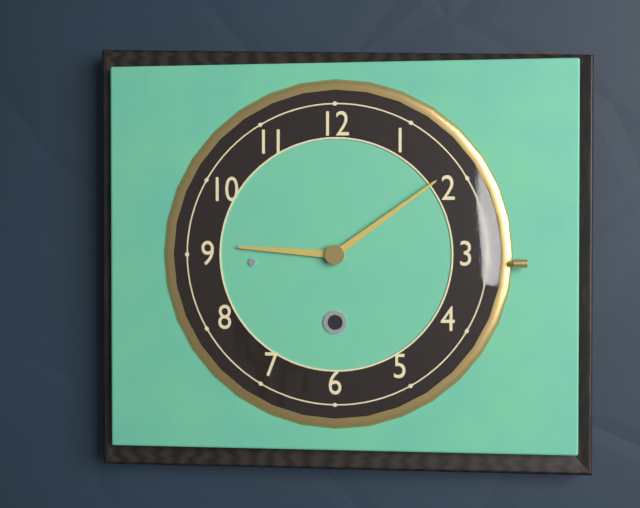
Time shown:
**9:09**
